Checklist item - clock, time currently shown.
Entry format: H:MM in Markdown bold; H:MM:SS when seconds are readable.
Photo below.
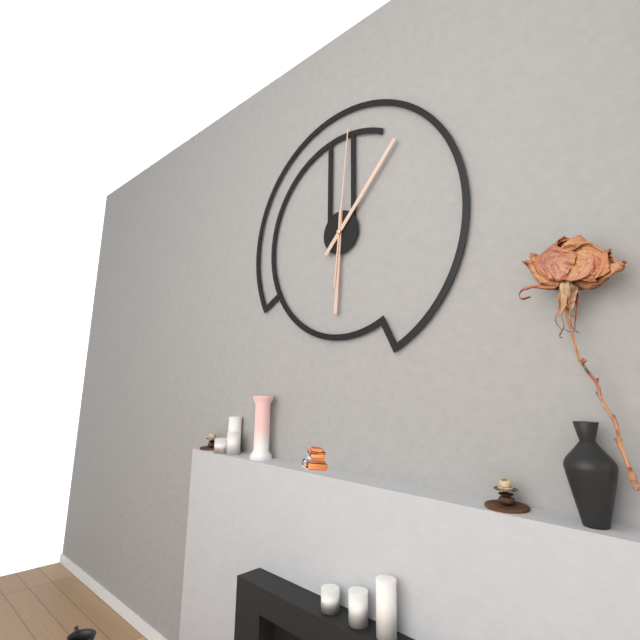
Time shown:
**6:07:01**
